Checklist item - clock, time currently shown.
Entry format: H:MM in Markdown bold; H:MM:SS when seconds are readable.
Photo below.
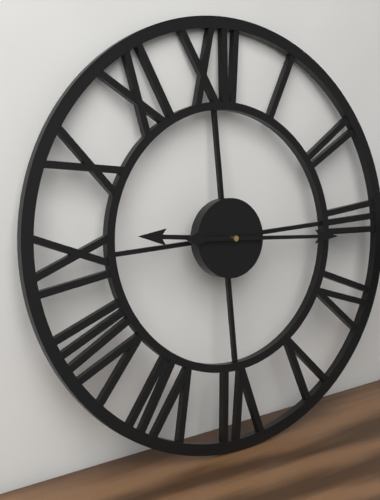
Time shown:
**9:16**
